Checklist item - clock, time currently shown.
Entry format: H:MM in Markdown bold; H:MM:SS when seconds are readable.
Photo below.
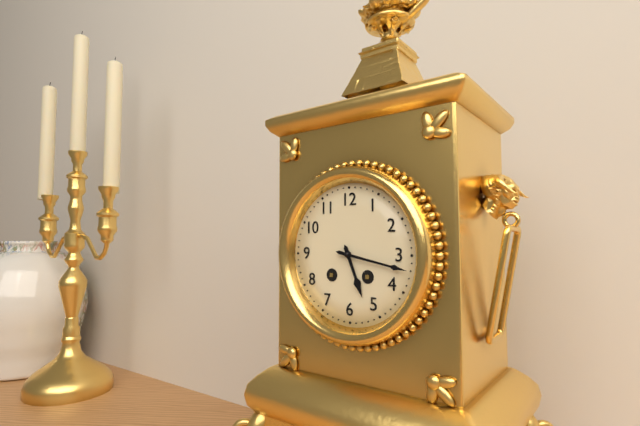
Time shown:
**5:17**
